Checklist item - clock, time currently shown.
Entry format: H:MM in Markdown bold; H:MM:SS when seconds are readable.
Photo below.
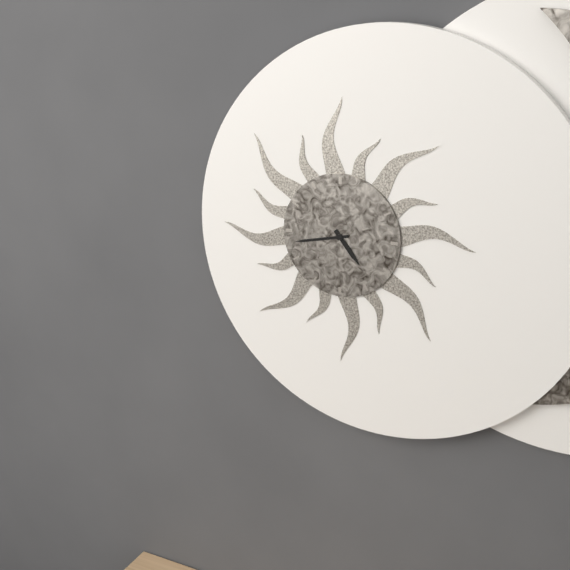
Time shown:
**4:43**
